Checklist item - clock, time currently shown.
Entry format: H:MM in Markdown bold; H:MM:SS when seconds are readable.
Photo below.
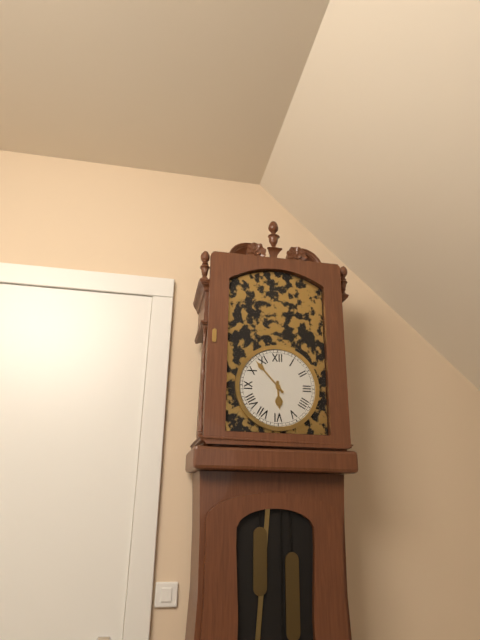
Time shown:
**5:53**
